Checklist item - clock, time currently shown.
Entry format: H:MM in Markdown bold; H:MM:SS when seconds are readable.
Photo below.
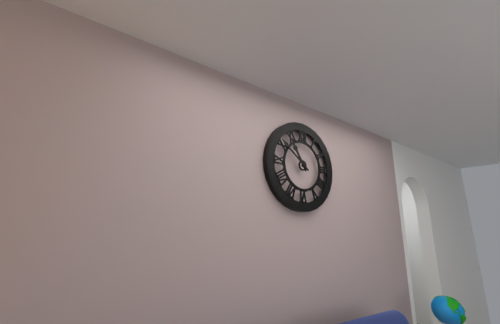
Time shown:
**10:51**
